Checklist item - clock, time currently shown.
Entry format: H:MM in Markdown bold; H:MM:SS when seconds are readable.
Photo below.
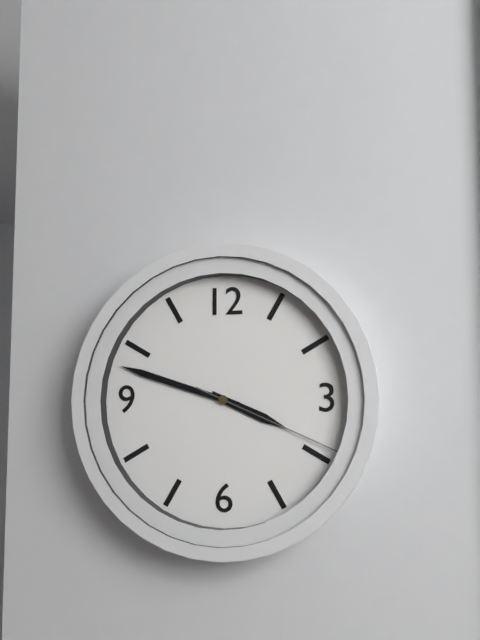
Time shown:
**3:48:19**
